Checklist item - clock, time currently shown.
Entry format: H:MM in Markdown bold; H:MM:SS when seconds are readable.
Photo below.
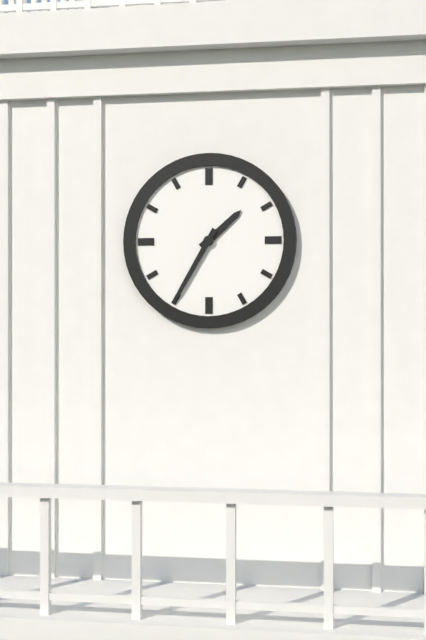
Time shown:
**1:35**
